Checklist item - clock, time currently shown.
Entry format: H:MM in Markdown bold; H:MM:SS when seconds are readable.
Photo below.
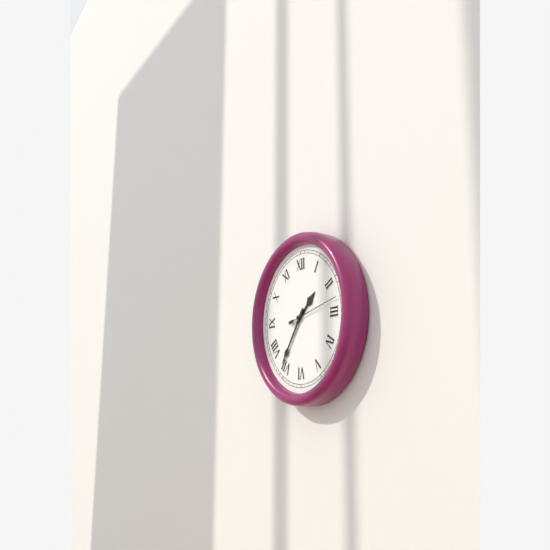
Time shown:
**1:36:13**
